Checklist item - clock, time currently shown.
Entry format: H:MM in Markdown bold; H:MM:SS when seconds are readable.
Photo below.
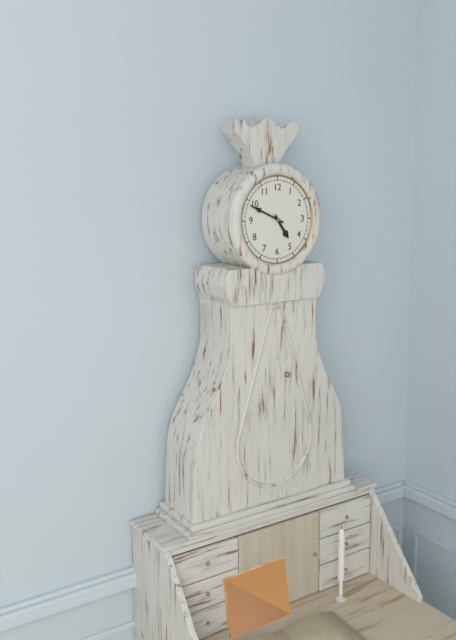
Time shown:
**4:49**
